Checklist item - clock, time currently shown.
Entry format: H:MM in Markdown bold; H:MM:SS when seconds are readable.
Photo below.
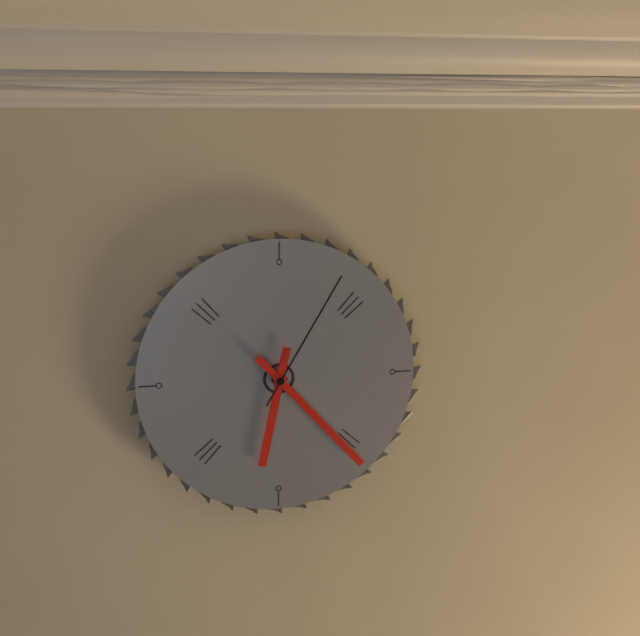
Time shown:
**6:23:05**
